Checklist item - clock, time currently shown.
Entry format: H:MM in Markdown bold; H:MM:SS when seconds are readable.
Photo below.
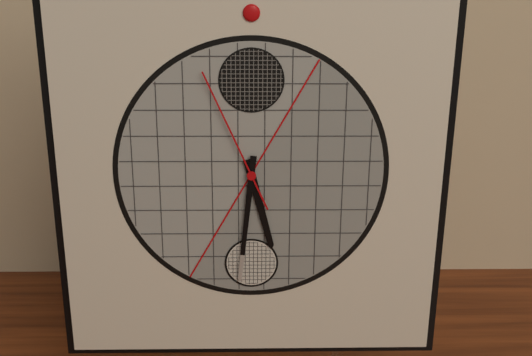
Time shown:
**5:31:56**
